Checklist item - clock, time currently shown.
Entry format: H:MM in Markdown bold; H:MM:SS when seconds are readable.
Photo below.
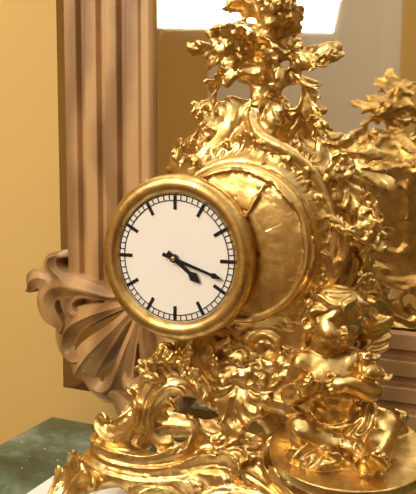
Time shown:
**4:18**
